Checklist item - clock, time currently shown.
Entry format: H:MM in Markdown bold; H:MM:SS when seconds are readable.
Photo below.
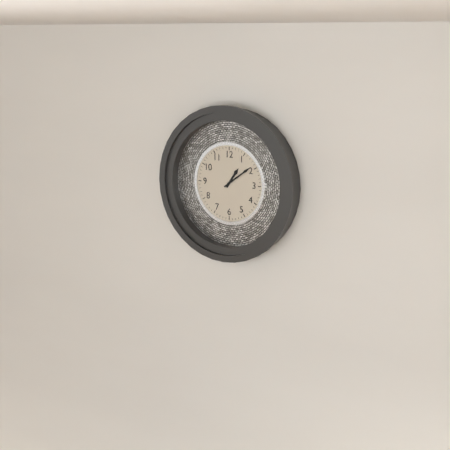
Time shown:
**1:09**
